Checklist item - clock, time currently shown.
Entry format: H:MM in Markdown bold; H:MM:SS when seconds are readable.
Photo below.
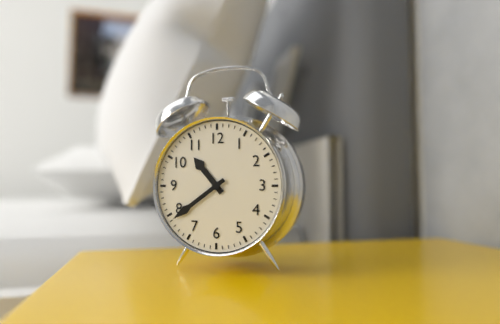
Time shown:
**10:39**
